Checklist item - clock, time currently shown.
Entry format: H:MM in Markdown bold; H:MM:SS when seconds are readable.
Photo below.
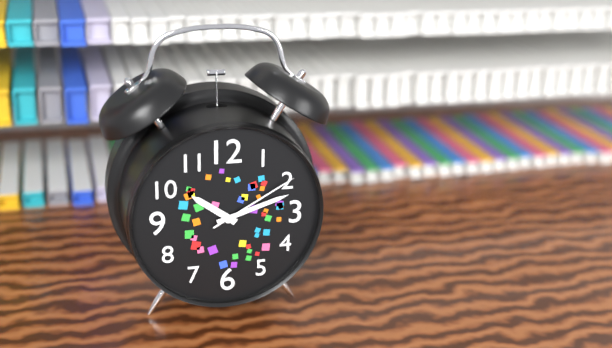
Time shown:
**10:12:10**
